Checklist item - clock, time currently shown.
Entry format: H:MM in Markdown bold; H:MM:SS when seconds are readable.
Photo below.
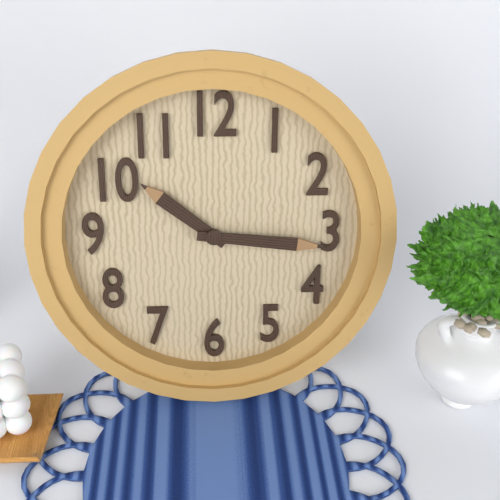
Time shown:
**10:16**
